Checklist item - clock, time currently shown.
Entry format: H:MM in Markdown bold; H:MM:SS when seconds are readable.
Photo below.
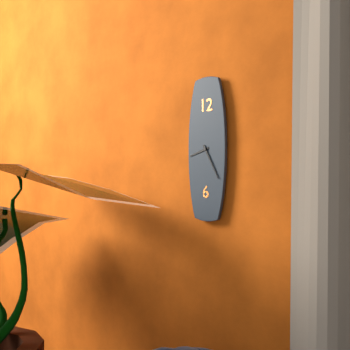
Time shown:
**8:25**
